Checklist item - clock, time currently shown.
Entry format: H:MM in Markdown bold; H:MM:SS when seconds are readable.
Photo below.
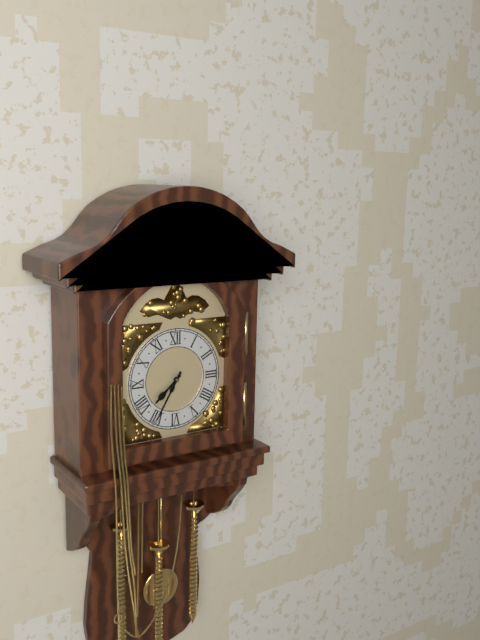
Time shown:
**7:35**
